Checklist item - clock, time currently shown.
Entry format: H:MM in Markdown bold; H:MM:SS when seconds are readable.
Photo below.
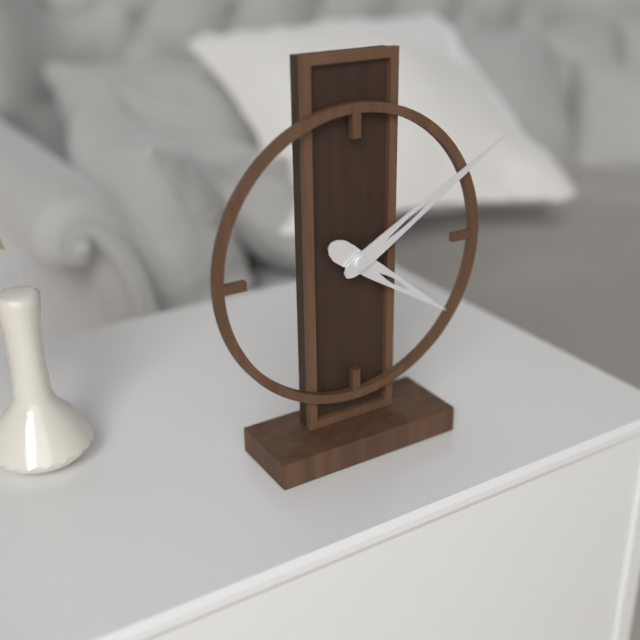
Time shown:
**4:10**
